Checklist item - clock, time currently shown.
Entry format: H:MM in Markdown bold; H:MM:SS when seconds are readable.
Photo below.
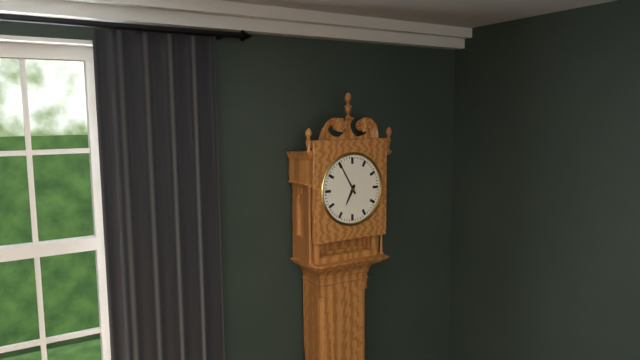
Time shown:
**6:55**
